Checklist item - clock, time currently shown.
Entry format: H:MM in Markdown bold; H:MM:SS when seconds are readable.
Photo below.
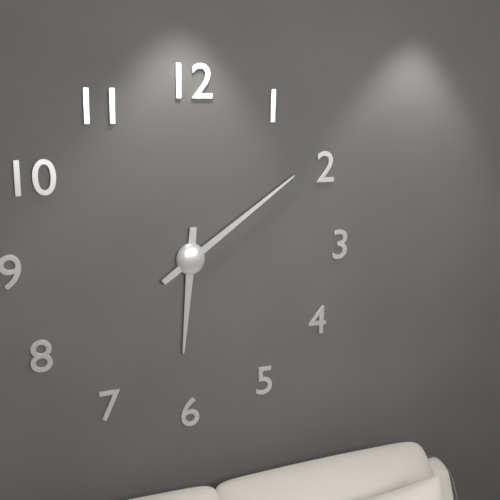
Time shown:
**6:09**
